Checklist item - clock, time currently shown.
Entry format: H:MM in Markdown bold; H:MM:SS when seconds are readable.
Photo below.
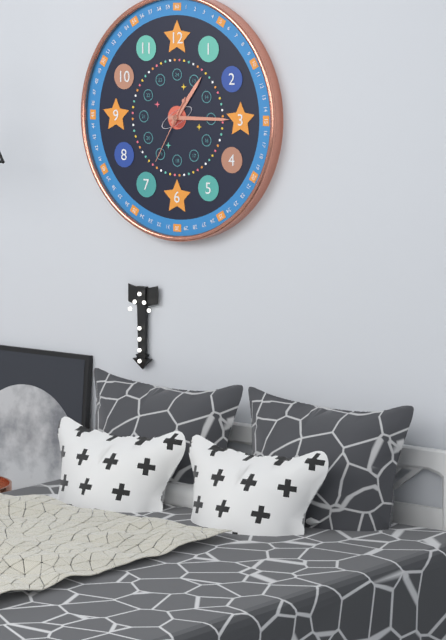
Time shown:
**1:15:35**
